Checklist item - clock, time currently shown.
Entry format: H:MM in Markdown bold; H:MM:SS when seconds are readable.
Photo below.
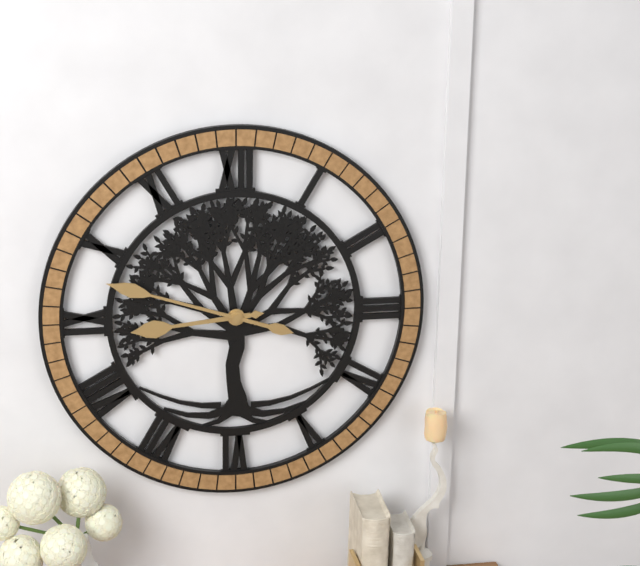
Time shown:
**8:48**
